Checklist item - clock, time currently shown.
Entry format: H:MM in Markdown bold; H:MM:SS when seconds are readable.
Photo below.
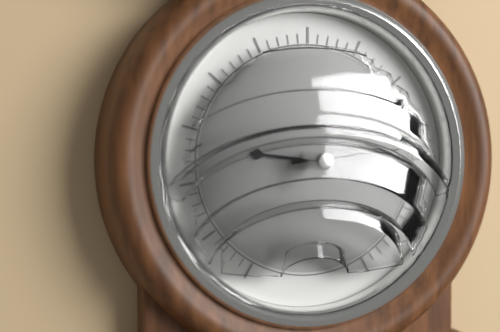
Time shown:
**9:14**
